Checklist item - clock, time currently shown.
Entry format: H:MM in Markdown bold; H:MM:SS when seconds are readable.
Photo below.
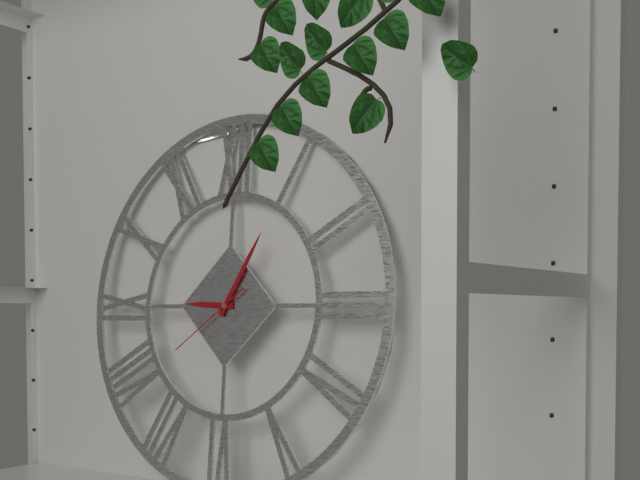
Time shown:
**9:05:39**
